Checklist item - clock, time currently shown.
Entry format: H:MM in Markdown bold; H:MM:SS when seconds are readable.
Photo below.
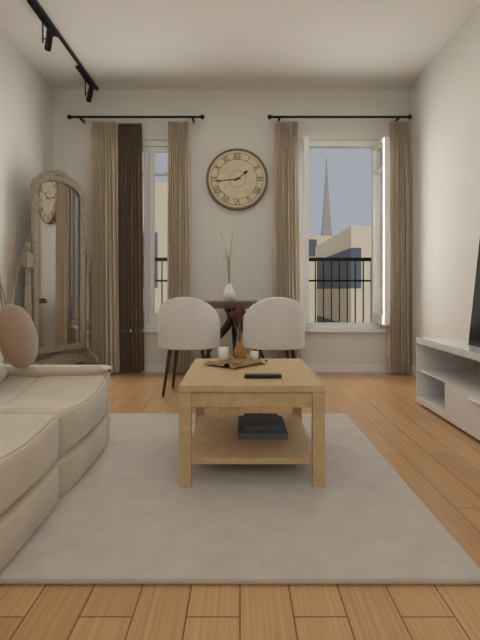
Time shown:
**1:44**
